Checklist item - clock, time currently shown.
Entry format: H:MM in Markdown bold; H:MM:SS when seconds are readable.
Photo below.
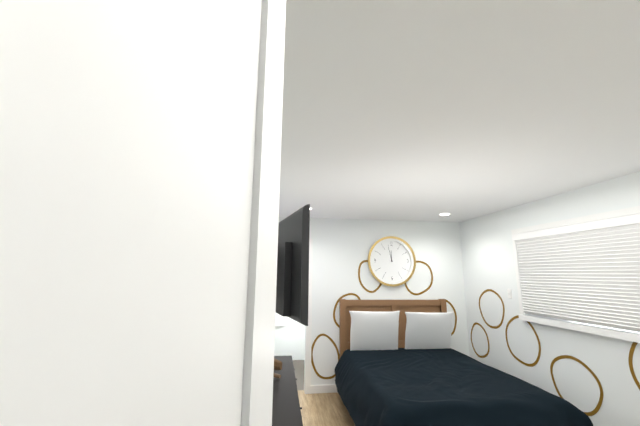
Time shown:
**11:58**
